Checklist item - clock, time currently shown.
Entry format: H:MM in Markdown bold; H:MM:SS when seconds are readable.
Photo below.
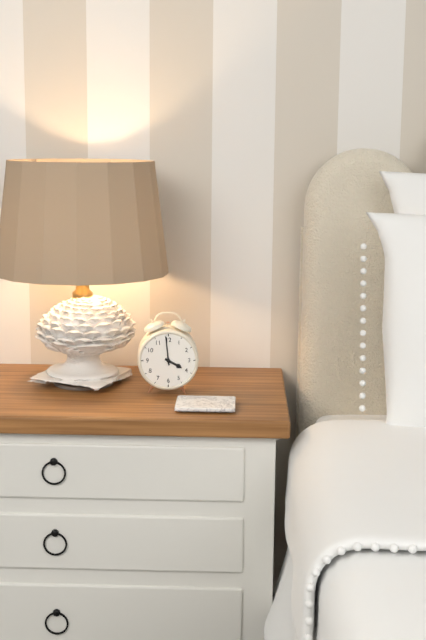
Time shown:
**3:59**
